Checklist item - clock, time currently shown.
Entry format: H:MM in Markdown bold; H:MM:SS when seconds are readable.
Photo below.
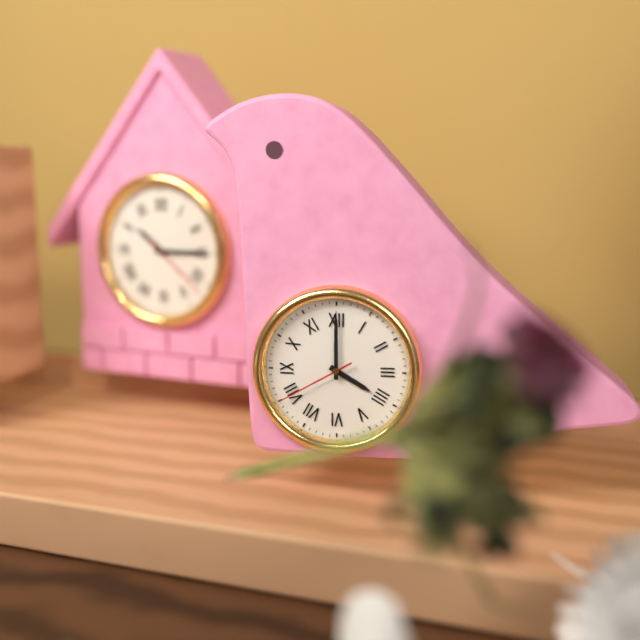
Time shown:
**4:00:40**
